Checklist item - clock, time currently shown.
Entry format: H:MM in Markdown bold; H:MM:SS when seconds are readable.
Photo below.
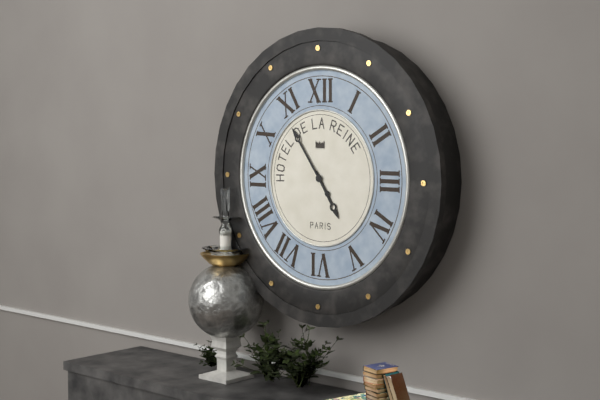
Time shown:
**4:54**
